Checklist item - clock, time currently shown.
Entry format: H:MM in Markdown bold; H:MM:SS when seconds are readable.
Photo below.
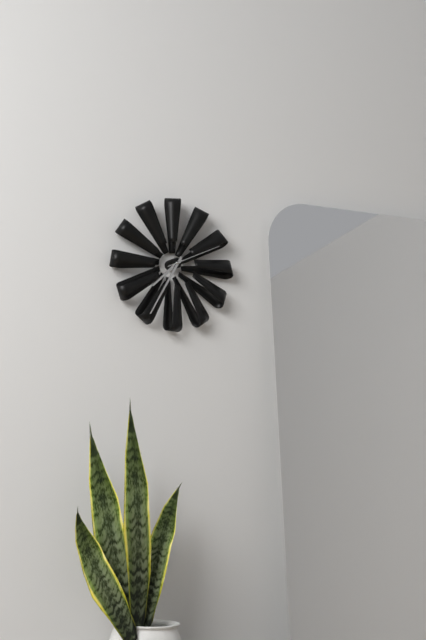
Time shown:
**7:35:11**
